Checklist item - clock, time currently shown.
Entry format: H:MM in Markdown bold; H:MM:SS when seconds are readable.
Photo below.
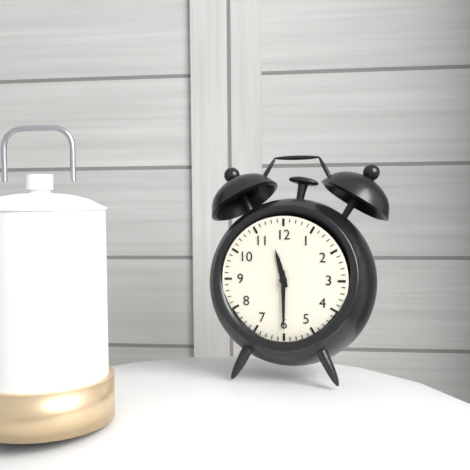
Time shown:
**11:30**
